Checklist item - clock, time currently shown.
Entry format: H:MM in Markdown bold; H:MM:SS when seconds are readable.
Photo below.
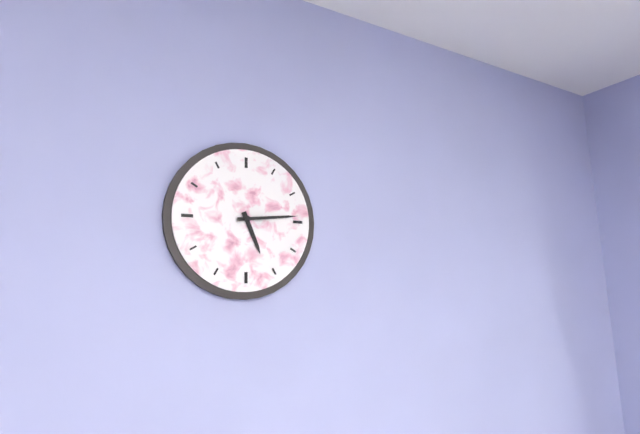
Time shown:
**5:14**
